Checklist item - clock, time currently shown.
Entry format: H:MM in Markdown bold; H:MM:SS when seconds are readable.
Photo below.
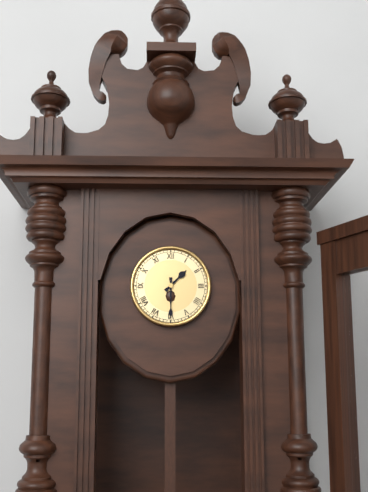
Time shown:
**1:30**
